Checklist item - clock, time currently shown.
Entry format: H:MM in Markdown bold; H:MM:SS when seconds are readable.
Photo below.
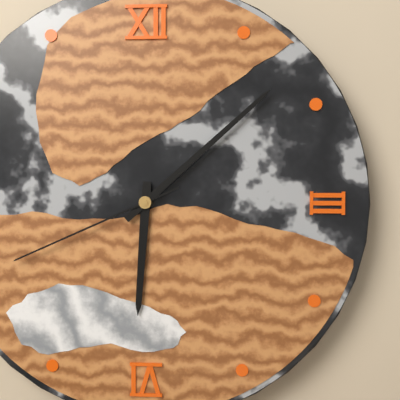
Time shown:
**6:08:41**
